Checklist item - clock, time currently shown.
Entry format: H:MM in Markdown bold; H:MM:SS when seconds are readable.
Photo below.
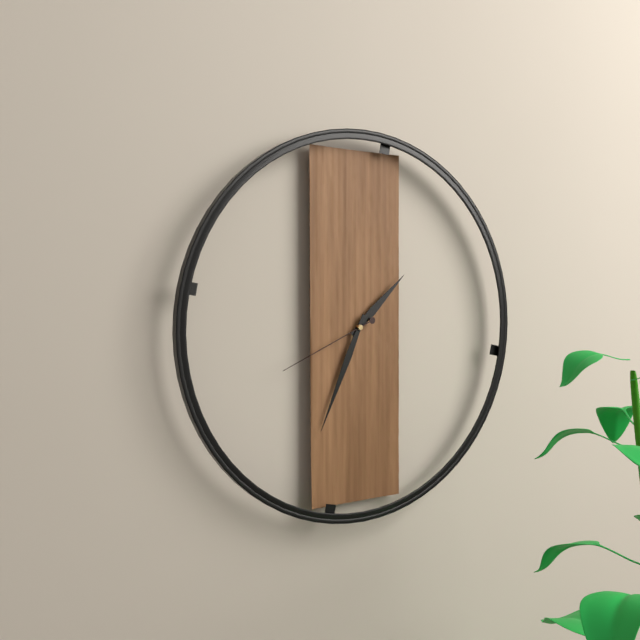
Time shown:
**1:34:41**
